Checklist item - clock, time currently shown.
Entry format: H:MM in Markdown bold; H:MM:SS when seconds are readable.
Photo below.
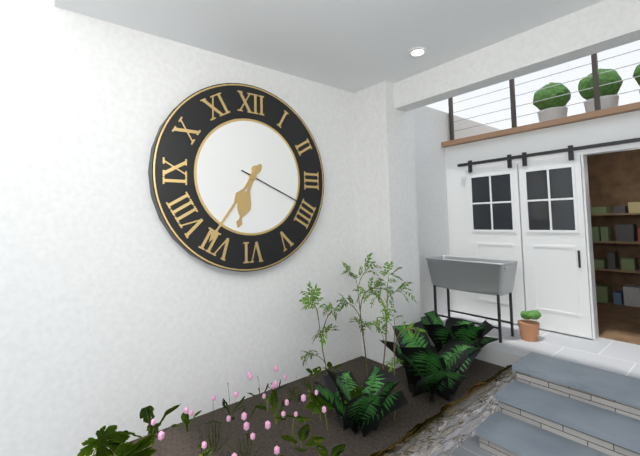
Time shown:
**6:36:19**
